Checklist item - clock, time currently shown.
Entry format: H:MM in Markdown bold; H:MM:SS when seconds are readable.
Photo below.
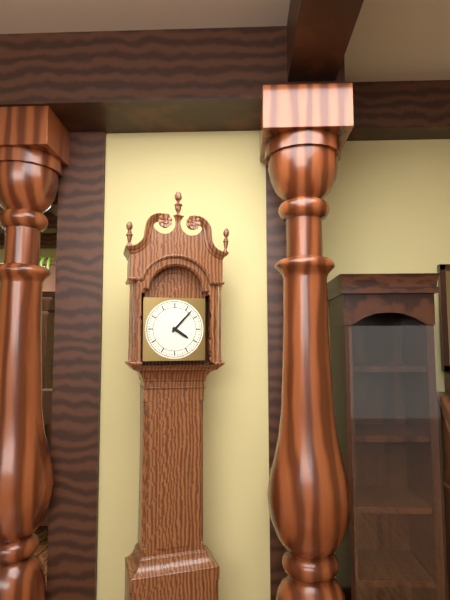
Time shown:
**4:07**
